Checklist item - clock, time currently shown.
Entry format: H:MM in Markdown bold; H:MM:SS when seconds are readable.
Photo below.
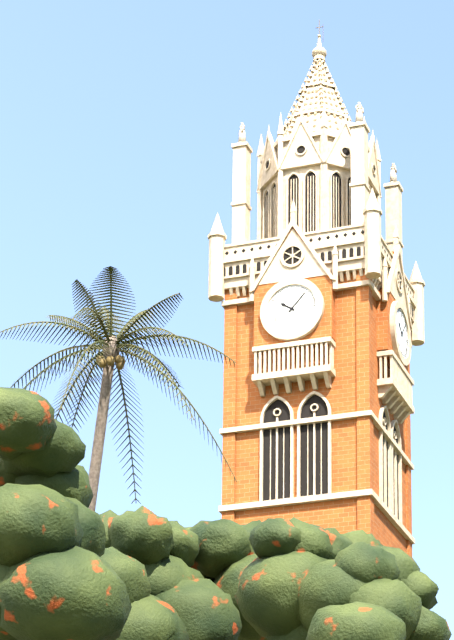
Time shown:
**10:07**
